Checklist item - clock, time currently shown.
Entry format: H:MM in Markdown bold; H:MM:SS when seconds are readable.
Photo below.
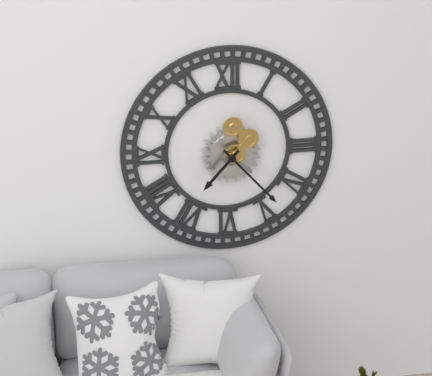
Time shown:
**7:23**
